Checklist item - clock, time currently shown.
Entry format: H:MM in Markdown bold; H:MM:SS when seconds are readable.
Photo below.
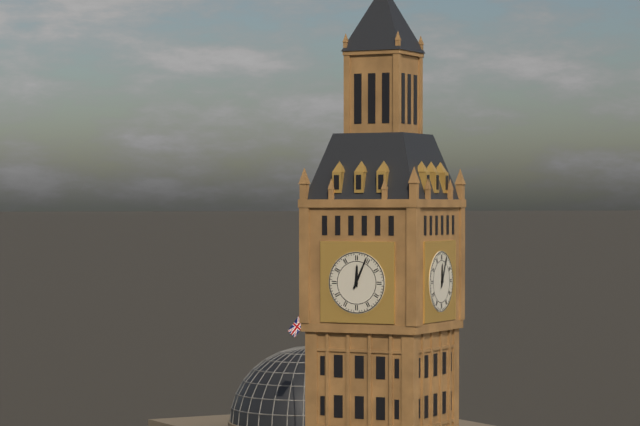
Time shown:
**12:04**
